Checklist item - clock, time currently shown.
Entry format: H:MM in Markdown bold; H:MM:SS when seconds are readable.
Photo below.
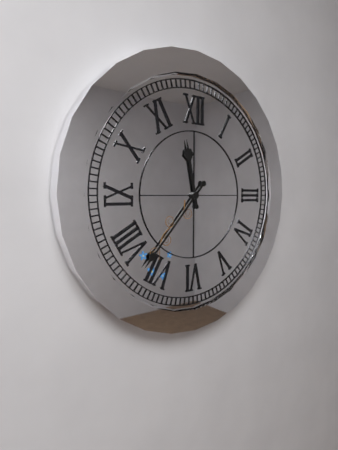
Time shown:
**11:37**
